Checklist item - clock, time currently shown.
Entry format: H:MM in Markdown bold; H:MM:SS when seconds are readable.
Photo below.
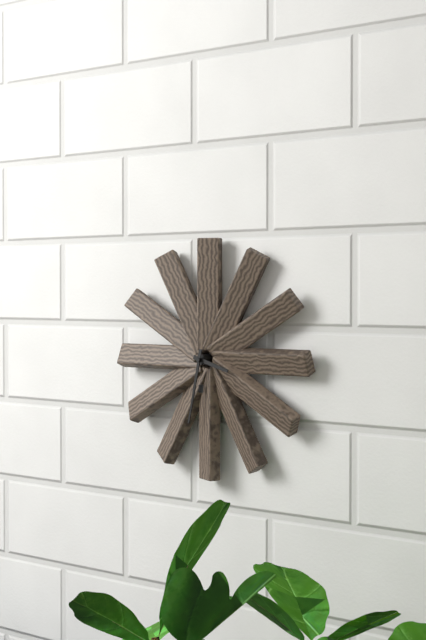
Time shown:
**3:32**
